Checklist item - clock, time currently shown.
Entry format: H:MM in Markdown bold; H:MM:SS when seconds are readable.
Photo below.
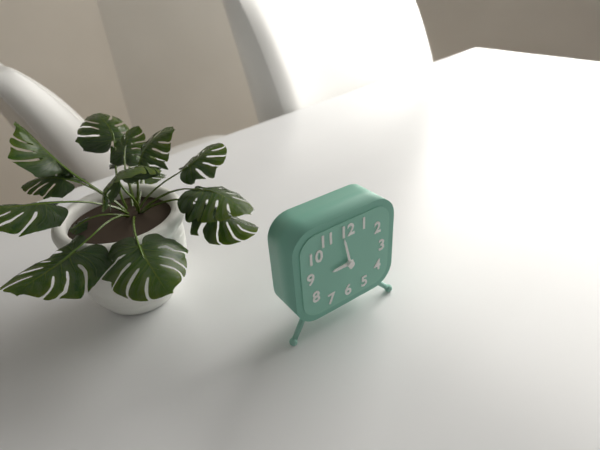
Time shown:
**8:58**
